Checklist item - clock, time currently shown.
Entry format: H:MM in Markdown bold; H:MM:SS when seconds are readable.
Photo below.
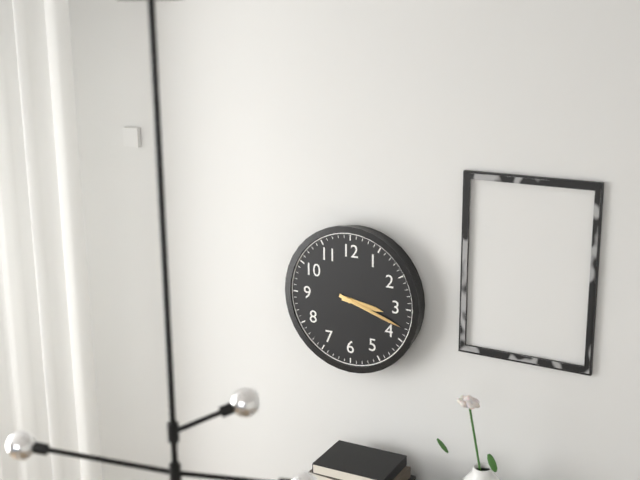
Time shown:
**3:18**
